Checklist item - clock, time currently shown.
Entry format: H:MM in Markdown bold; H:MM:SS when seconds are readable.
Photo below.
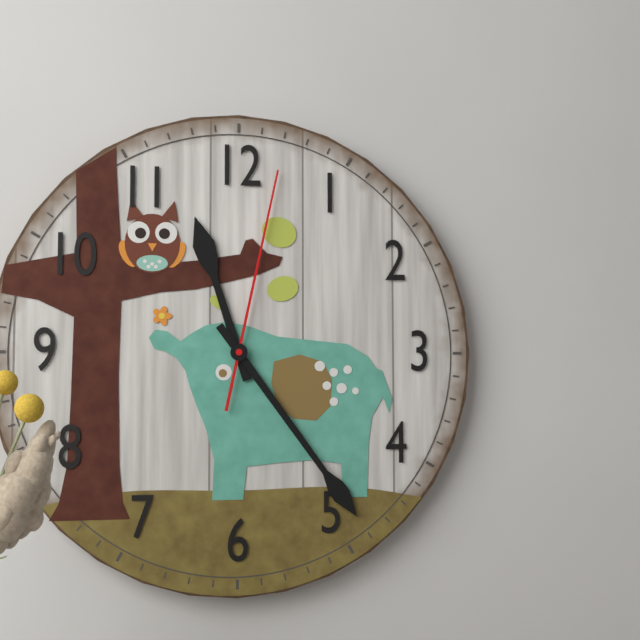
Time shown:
**11:24:02**
